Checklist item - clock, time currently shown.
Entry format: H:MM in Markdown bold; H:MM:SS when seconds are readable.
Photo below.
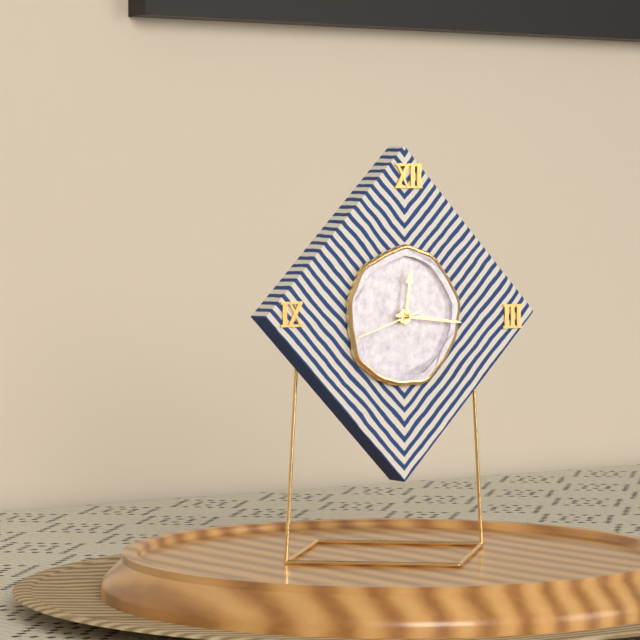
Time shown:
**12:16:42**
